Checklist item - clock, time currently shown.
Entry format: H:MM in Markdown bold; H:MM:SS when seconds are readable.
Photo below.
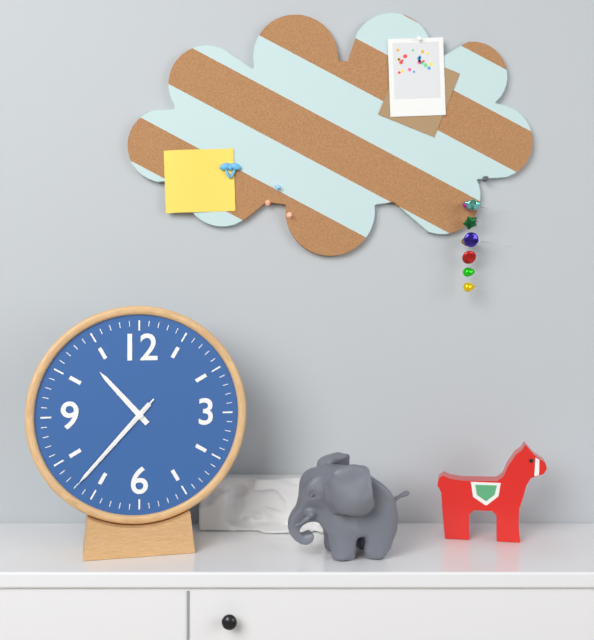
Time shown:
**10:37:37**
